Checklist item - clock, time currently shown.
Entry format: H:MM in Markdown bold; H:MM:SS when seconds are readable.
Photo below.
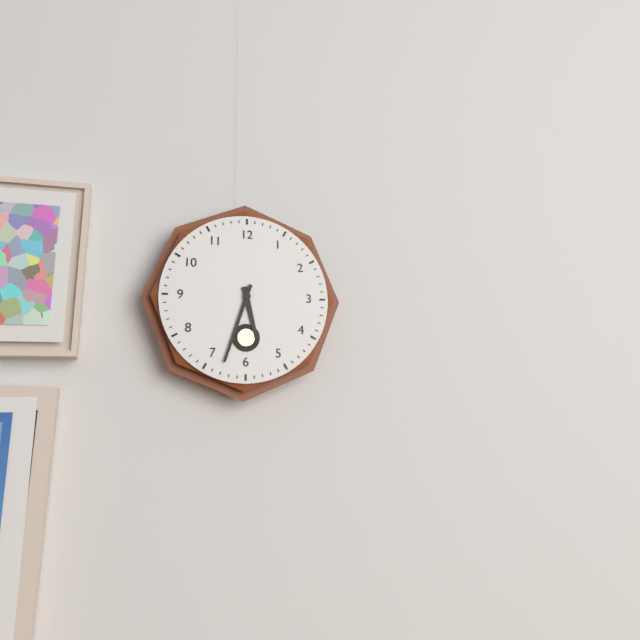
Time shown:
**5:33**
